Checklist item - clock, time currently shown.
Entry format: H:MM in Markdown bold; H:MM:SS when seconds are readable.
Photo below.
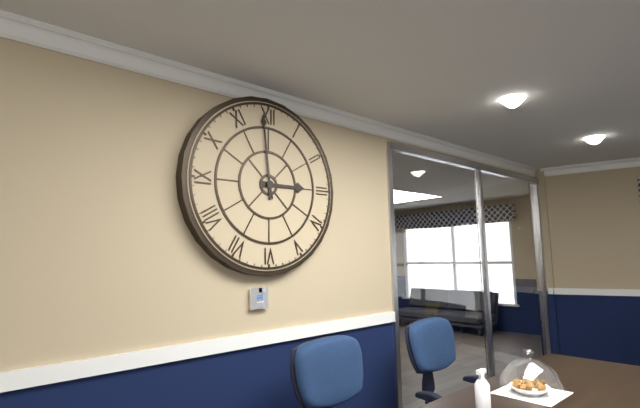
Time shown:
**2:59**
